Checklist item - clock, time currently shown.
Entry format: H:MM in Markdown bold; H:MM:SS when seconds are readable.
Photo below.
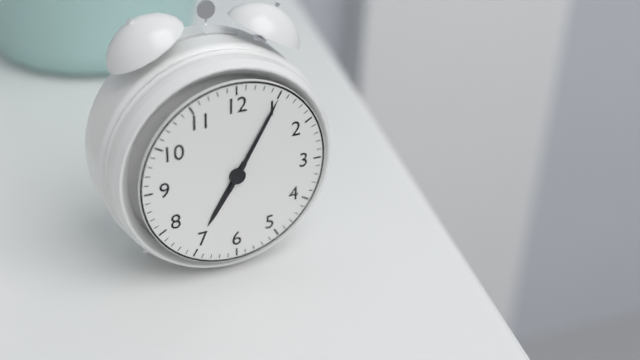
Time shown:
**7:05**
